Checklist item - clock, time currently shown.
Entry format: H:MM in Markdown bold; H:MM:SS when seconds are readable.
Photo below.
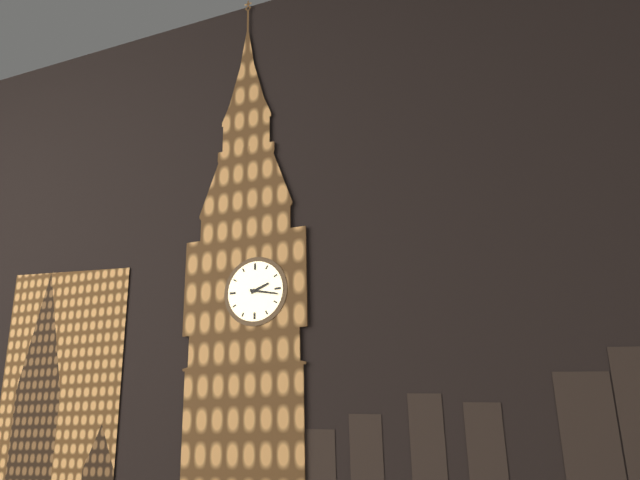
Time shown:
**2:17**
